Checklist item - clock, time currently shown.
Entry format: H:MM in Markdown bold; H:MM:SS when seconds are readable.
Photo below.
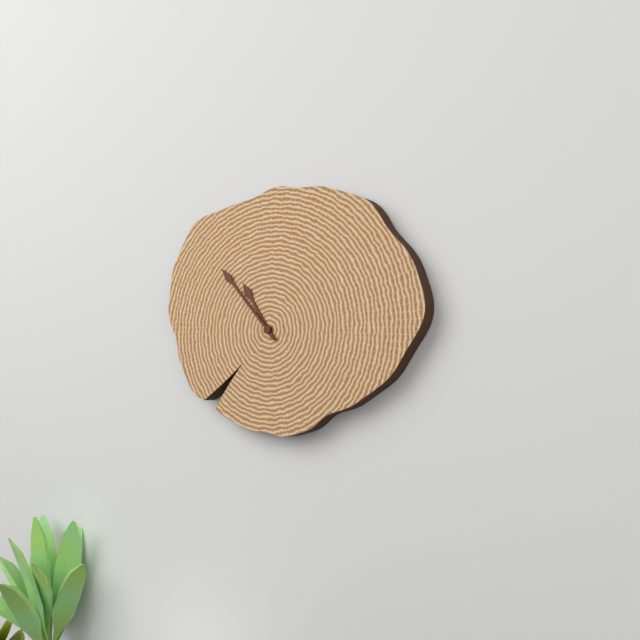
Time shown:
**10:53**
